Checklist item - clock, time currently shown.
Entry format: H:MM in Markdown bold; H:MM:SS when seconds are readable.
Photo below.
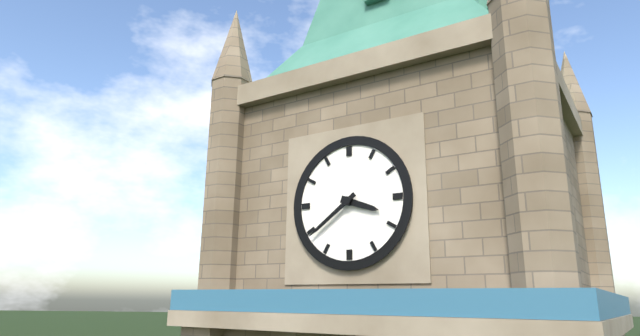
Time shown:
**3:39**
